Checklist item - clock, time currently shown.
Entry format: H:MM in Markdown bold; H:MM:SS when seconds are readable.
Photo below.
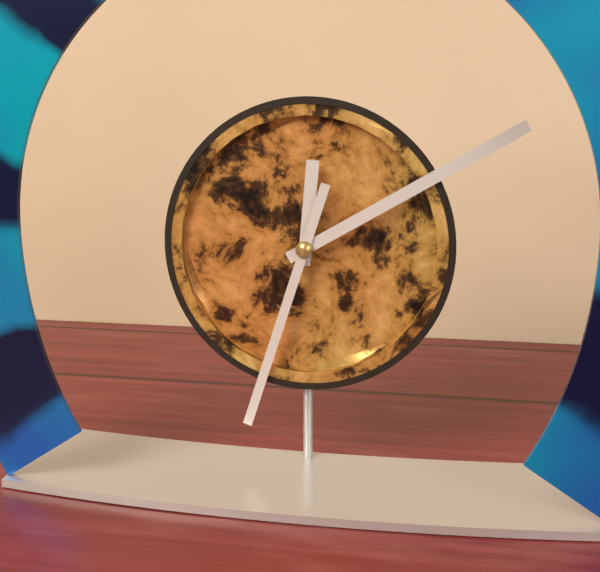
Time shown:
**12:10:33**
